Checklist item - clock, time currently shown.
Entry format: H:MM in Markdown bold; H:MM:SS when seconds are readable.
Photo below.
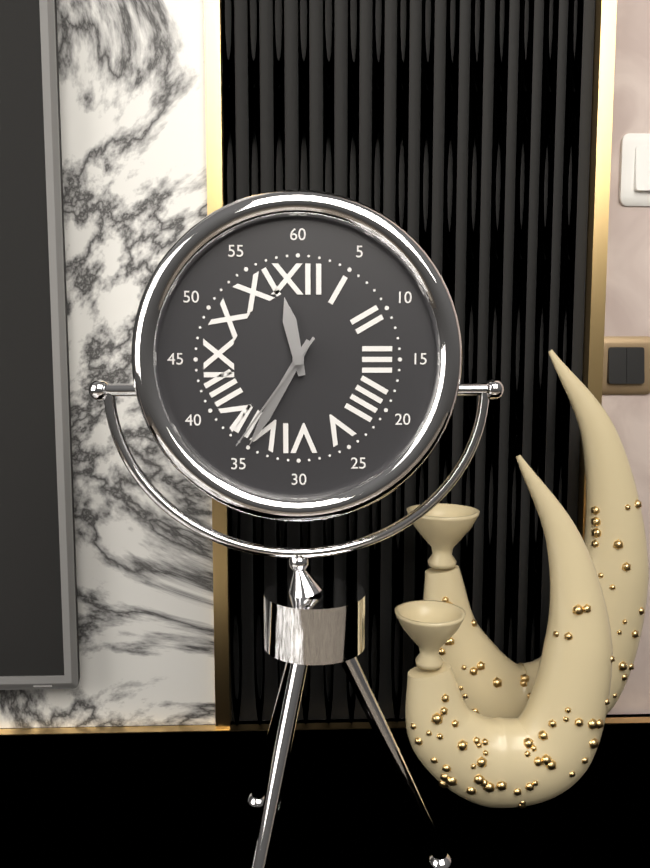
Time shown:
**11:35:36**
